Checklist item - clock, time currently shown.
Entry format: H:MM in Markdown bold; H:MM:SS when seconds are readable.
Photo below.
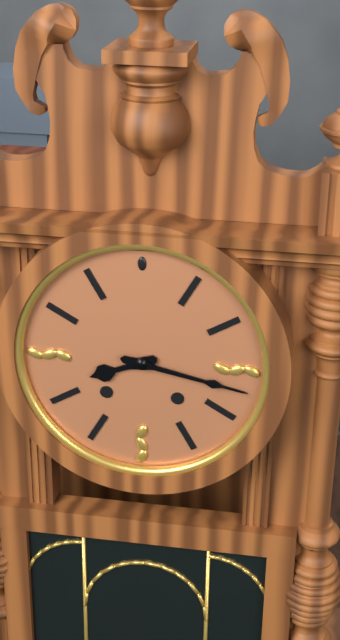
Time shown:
**8:17**
